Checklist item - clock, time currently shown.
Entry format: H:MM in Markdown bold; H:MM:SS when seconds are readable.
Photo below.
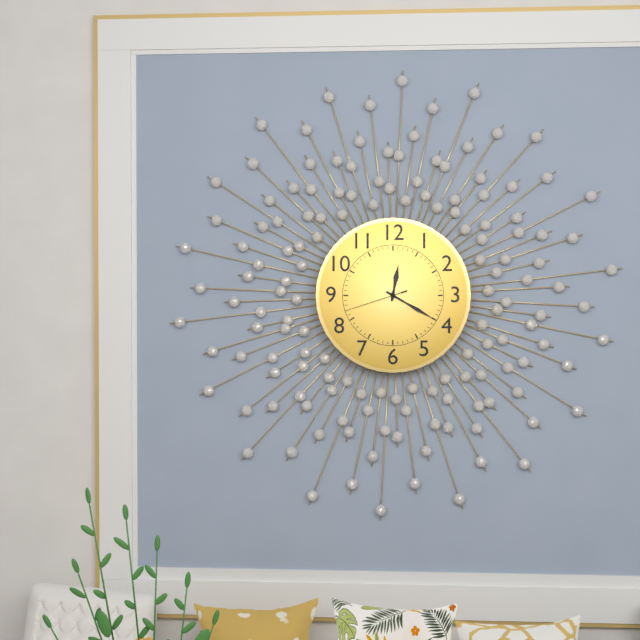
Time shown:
**12:20:42**
